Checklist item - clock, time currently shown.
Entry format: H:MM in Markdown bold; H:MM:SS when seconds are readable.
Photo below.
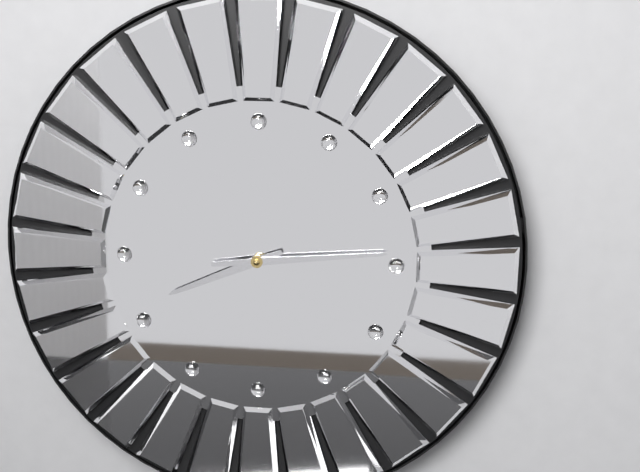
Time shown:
**8:14**
